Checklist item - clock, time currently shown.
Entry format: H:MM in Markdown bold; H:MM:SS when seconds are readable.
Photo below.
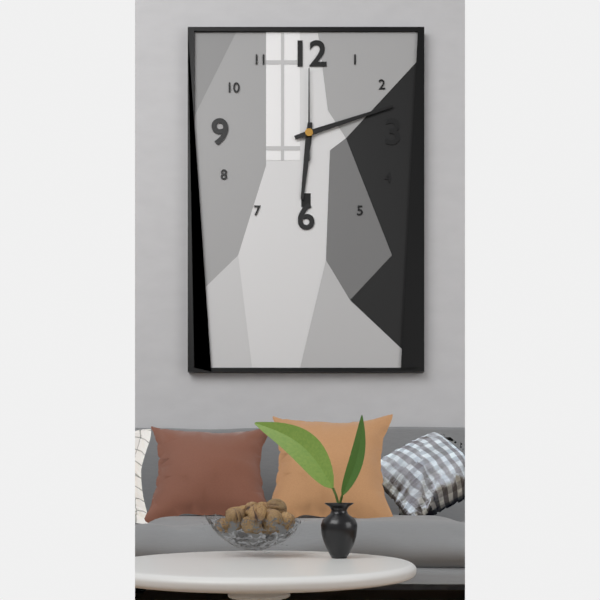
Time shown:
**6:12:00**
